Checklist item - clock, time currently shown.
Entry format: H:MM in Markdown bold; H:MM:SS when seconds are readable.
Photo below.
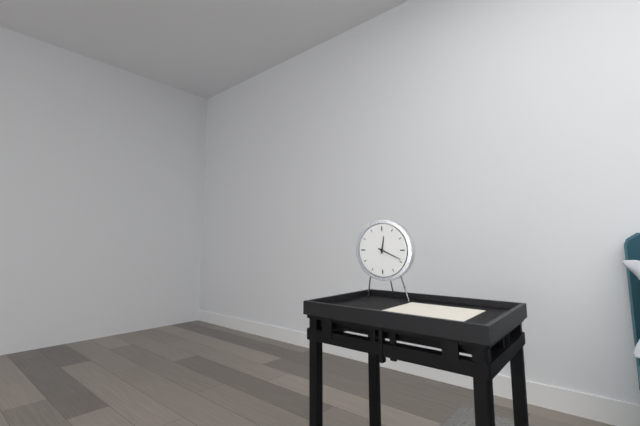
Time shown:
**12:19**
